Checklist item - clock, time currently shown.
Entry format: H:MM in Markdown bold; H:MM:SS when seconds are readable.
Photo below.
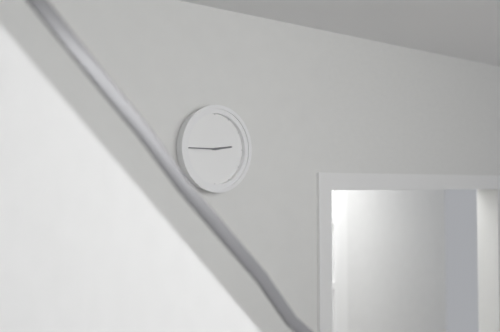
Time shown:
**2:45**
